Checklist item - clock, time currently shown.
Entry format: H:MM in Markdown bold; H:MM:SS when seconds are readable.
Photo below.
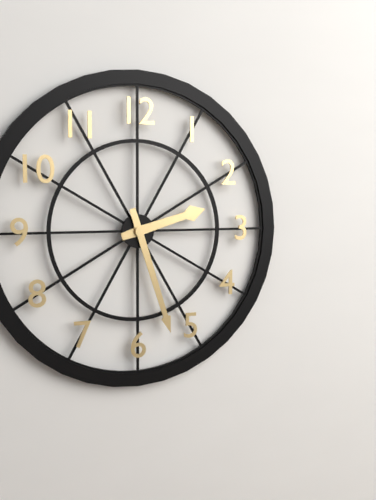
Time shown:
**2:27**
